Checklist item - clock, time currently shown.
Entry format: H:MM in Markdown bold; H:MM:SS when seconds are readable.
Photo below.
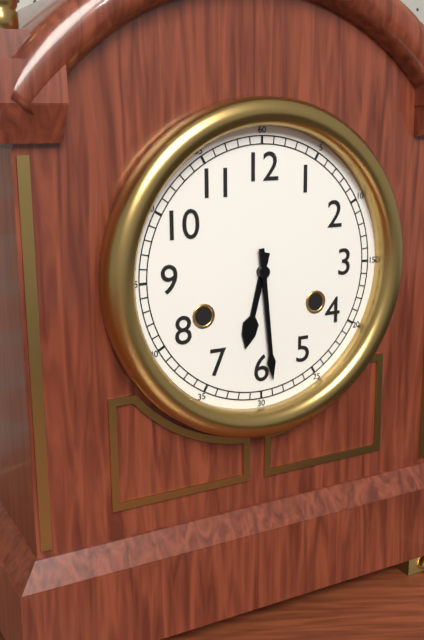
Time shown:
**6:29**
